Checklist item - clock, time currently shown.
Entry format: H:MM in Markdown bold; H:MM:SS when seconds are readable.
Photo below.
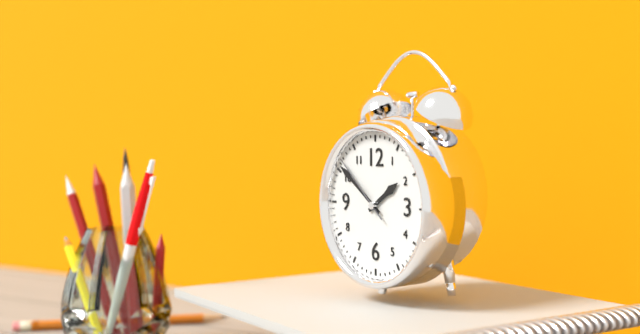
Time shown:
**1:51:52**
